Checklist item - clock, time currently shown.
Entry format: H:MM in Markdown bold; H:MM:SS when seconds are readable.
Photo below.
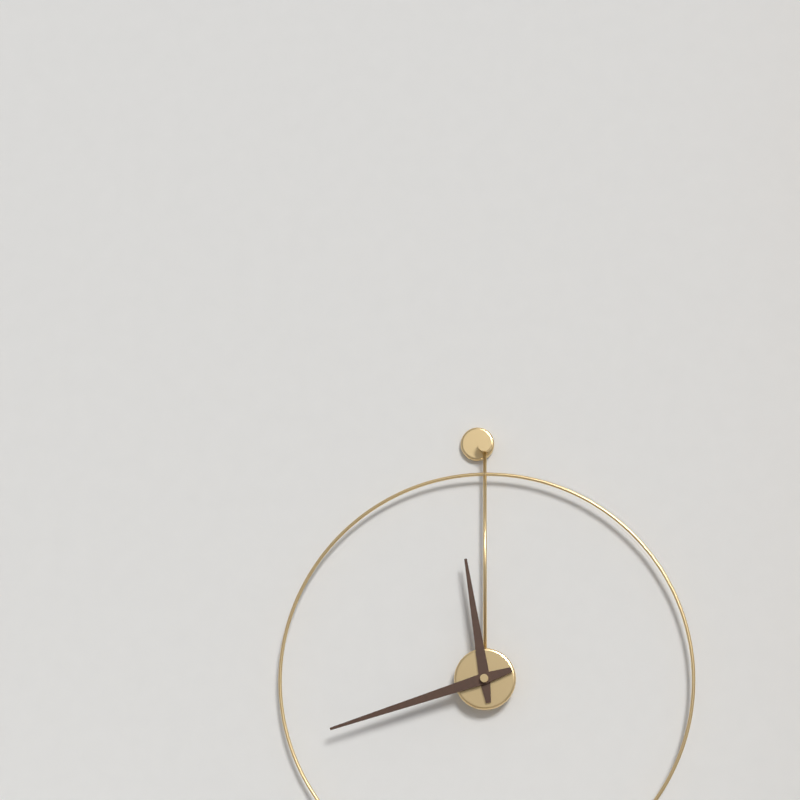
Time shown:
**11:42**
